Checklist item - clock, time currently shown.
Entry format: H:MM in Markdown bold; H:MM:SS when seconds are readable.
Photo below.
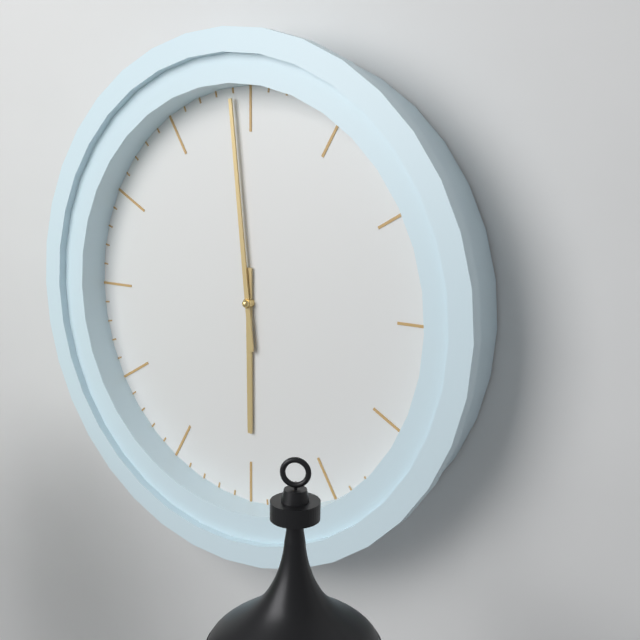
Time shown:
**5:59**
